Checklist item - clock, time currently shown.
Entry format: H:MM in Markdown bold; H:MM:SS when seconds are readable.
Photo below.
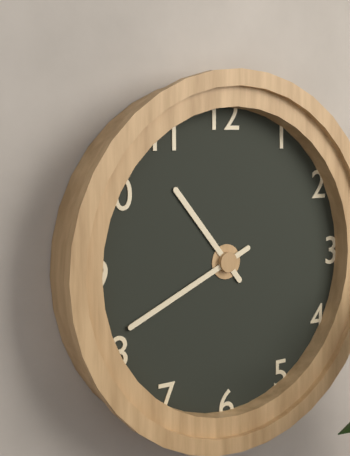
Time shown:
**10:41**
